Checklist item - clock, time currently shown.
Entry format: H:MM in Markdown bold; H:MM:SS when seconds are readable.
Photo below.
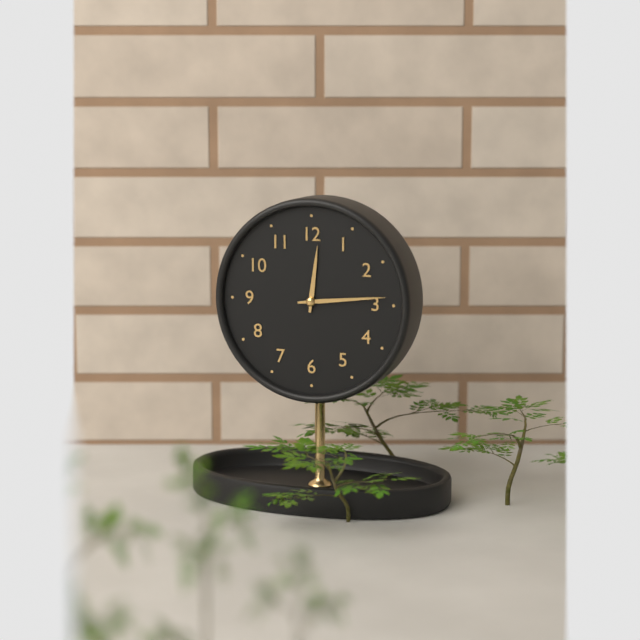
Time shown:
**12:14**
